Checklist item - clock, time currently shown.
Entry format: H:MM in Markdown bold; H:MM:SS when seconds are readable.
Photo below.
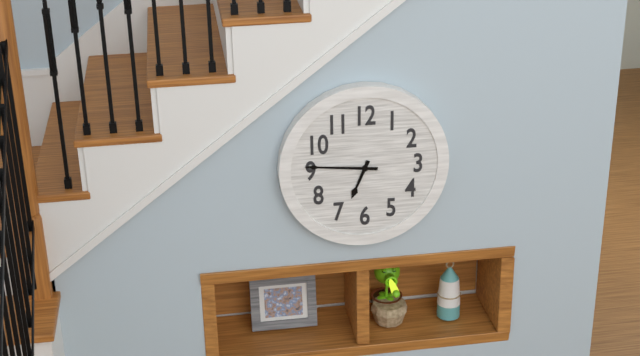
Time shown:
**6:46**
